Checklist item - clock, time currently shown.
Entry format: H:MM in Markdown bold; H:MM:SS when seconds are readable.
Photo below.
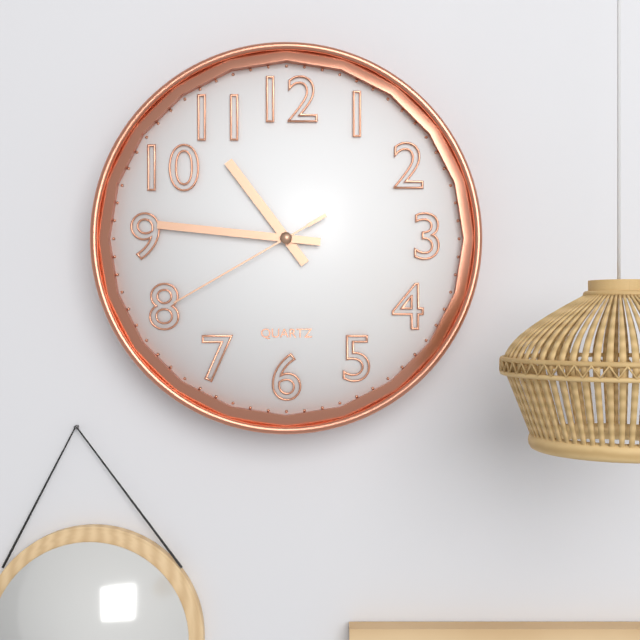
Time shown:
**10:46:40**
